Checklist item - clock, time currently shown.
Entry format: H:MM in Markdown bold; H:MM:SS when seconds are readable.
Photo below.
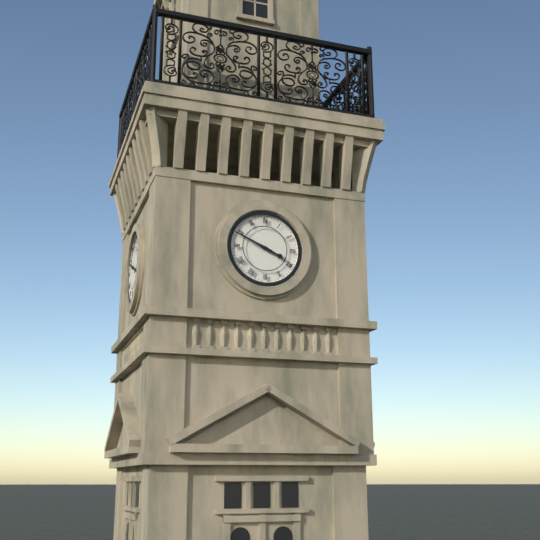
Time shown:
**3:49**
